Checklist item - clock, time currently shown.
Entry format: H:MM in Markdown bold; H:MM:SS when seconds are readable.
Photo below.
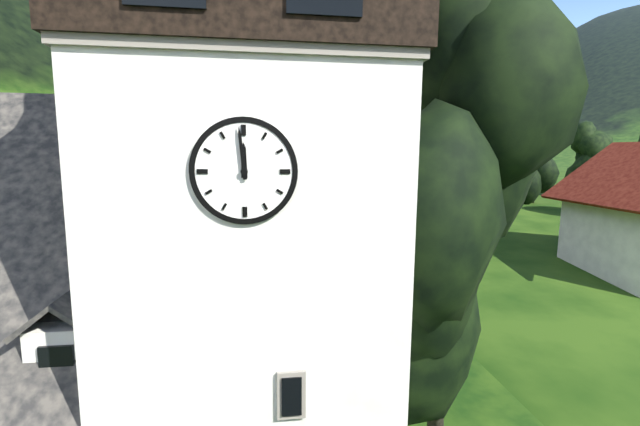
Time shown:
**11:59**
